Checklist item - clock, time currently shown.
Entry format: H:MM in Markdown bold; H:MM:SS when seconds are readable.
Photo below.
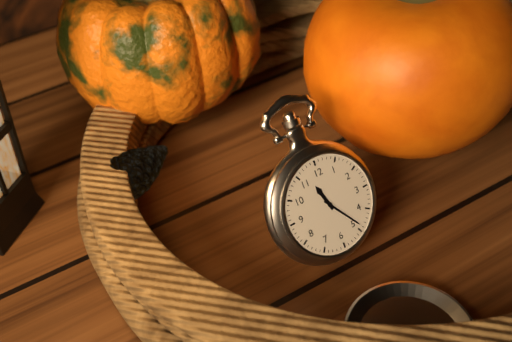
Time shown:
**11:24**
